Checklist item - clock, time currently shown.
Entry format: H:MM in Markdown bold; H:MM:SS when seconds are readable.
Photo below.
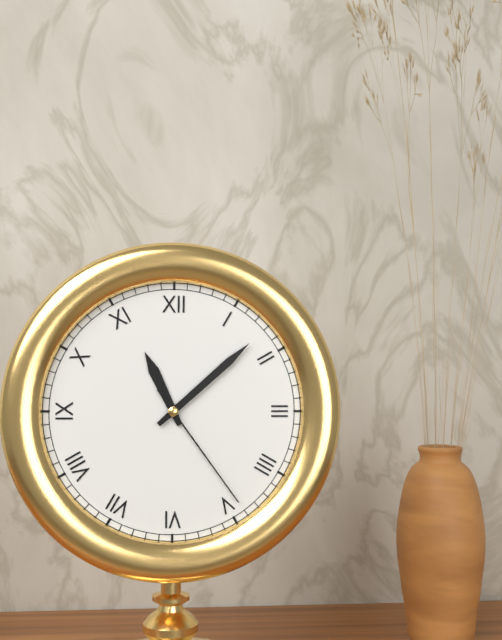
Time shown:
**11:08:24**
